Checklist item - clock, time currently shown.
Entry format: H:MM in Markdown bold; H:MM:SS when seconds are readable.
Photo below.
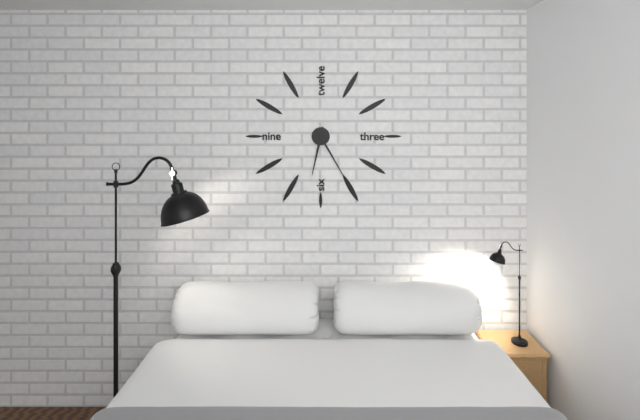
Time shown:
**6:25**
